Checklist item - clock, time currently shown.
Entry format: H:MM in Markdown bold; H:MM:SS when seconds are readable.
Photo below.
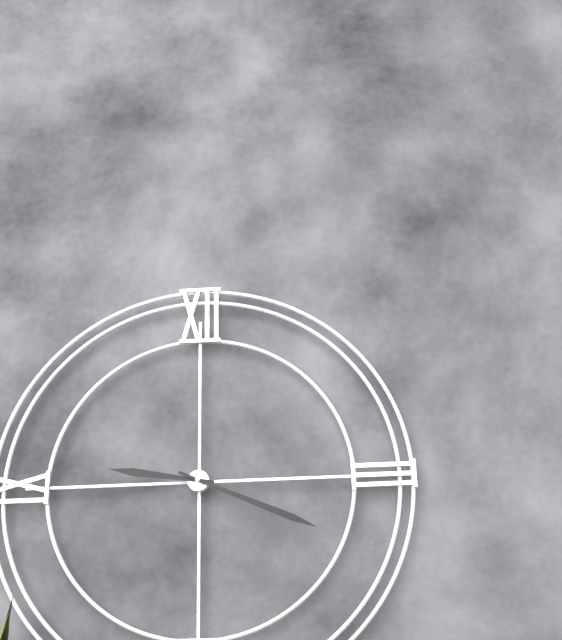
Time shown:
**9:19**
